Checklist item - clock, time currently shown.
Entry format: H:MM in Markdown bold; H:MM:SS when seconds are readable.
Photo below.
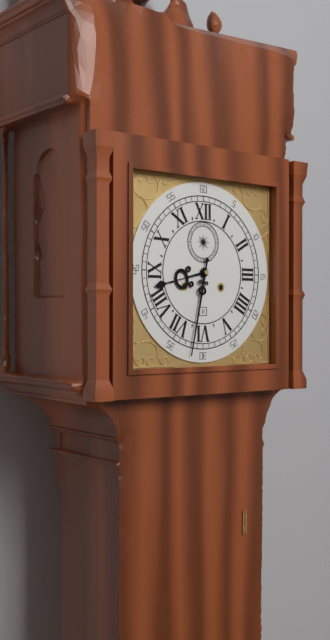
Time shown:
**8:32**
